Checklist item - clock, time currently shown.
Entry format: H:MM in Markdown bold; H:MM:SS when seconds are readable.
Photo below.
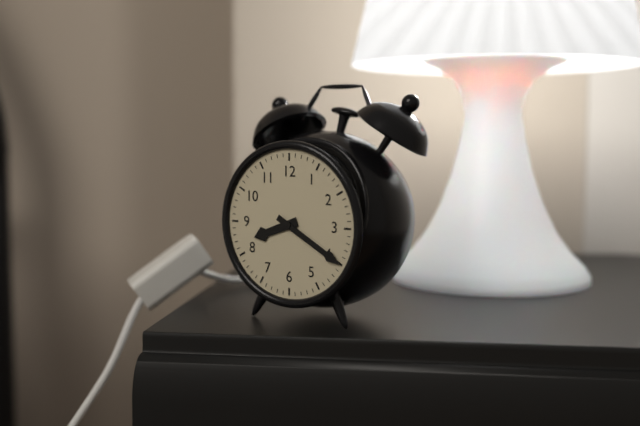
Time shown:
**8:20**
